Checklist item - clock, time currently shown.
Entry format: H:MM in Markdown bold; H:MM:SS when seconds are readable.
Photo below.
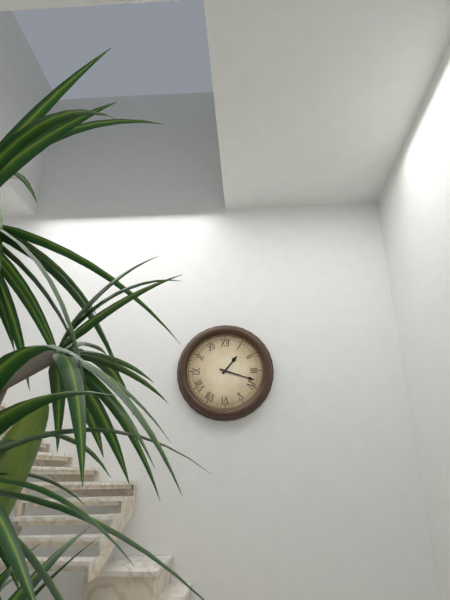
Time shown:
**1:18**
